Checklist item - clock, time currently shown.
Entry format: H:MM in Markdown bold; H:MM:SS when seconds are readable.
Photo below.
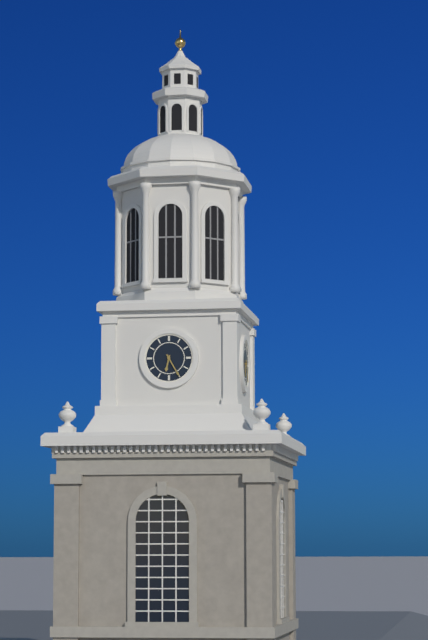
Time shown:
**6:25**
